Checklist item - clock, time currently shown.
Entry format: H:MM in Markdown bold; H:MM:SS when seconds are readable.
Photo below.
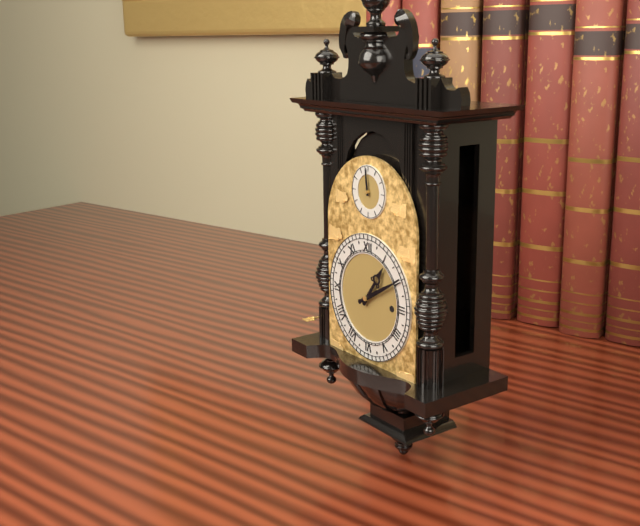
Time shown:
**1:10**
